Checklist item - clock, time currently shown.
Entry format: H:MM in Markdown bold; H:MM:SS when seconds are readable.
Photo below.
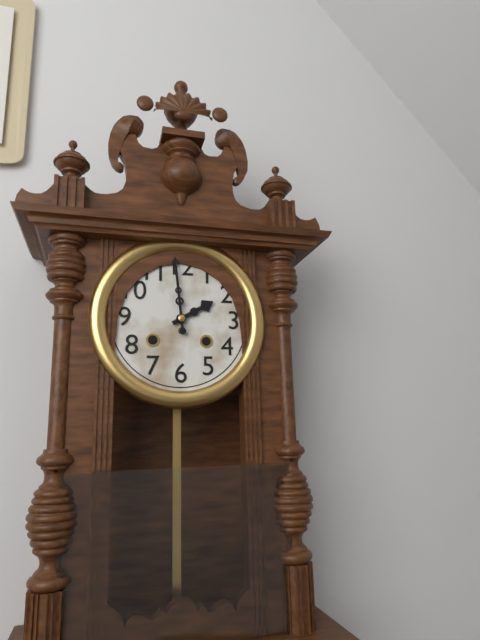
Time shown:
**1:59**
